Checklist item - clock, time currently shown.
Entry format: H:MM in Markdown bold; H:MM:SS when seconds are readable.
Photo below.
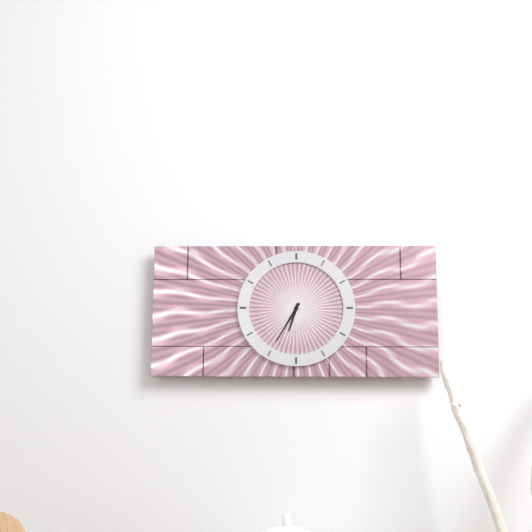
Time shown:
**6:35**
